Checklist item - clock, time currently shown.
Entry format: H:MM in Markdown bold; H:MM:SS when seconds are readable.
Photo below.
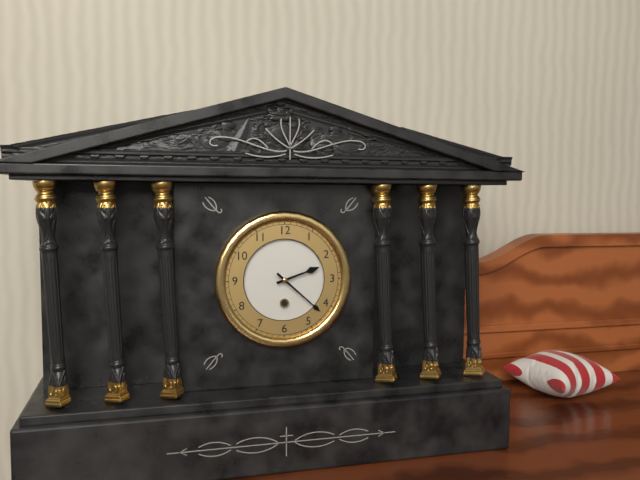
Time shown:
**2:22**
